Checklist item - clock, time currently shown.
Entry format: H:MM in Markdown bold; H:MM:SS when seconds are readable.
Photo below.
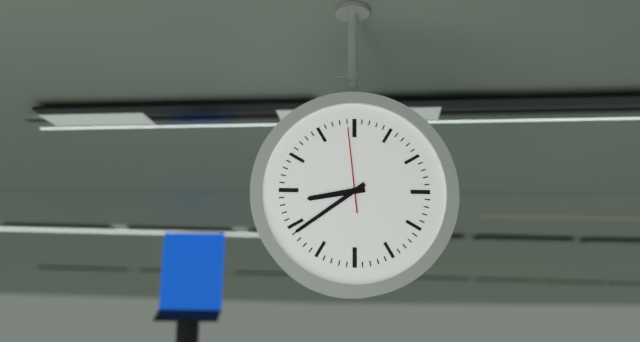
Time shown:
**8:39:59**
